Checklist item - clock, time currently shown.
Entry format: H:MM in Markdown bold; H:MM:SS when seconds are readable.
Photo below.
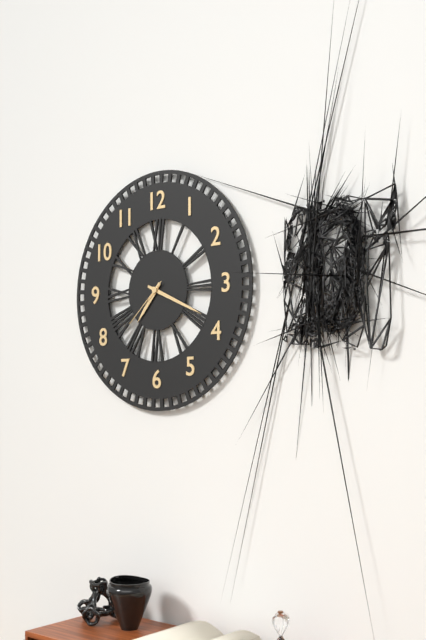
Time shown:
**7:19:38**
